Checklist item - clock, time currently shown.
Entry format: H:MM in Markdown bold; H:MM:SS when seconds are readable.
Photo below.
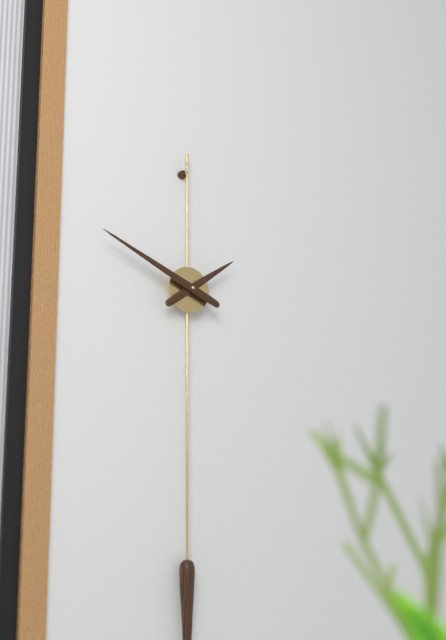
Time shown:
**1:49**
